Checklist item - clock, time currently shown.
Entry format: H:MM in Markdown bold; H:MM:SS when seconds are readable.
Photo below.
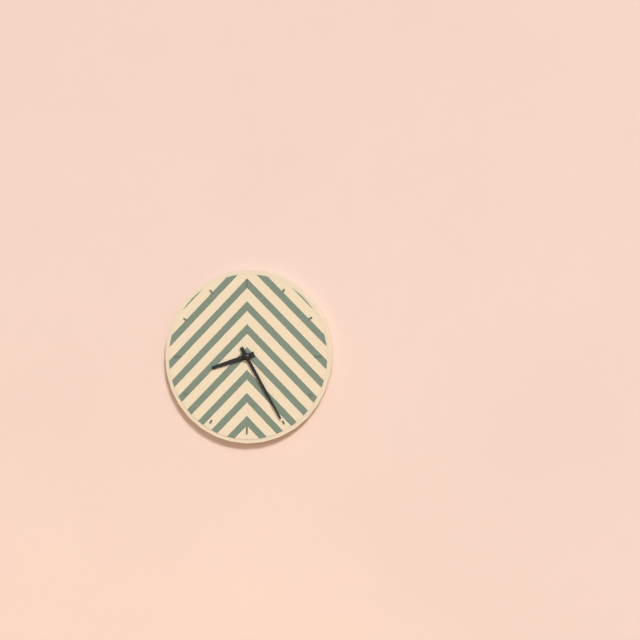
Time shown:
**8:25**
